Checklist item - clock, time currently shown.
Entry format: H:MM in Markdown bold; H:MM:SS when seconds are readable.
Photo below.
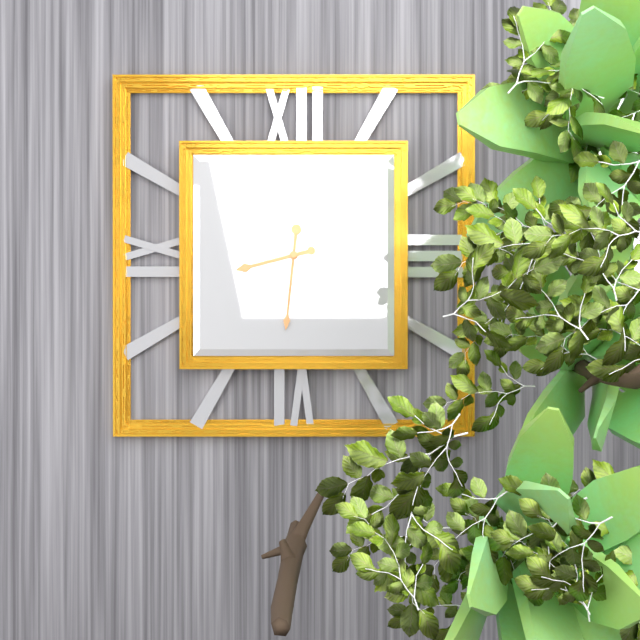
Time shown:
**8:31:31**
